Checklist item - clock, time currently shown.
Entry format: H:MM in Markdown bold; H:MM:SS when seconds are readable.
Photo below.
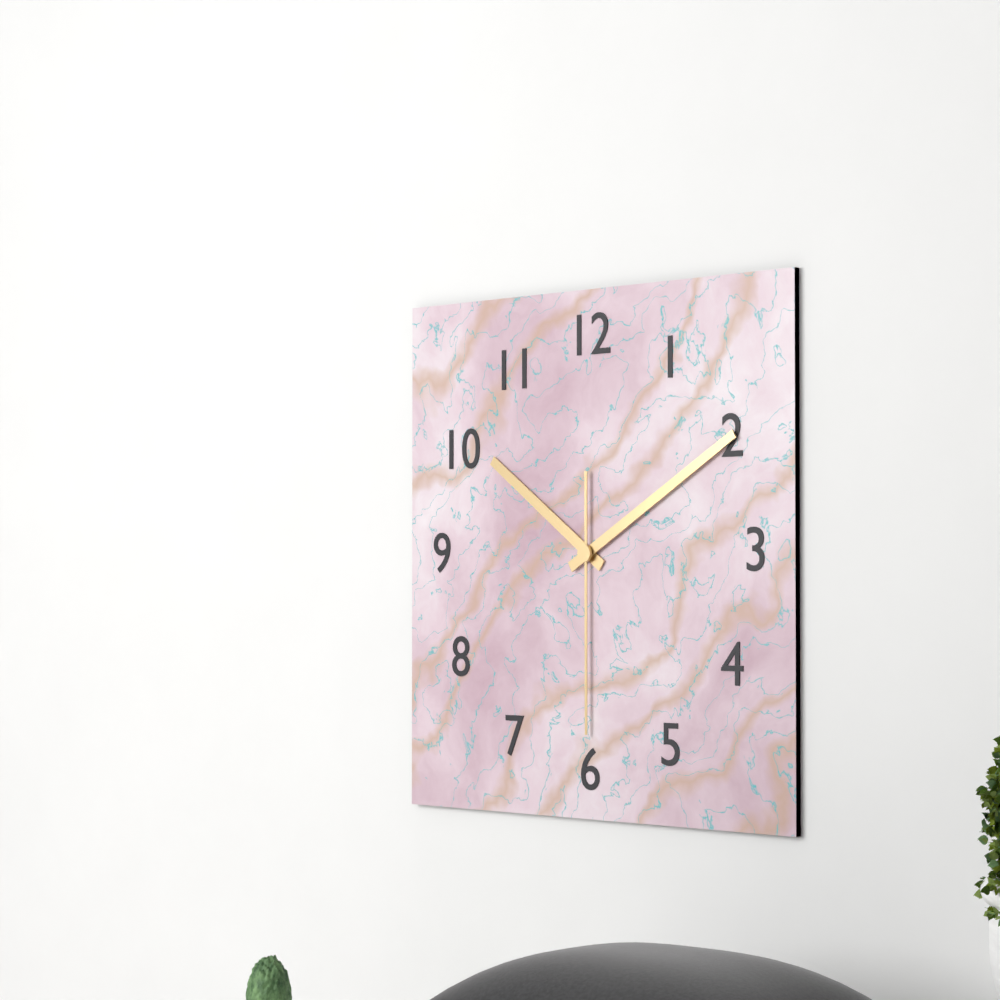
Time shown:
**10:10:30**
